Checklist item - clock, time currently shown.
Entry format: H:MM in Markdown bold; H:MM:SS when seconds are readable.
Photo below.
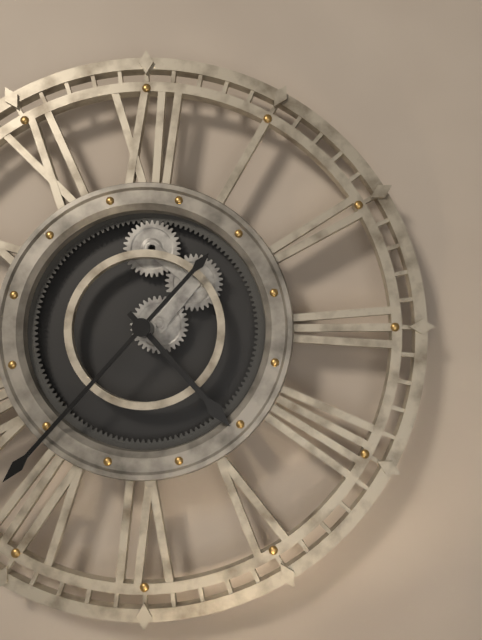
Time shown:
**4:37**
